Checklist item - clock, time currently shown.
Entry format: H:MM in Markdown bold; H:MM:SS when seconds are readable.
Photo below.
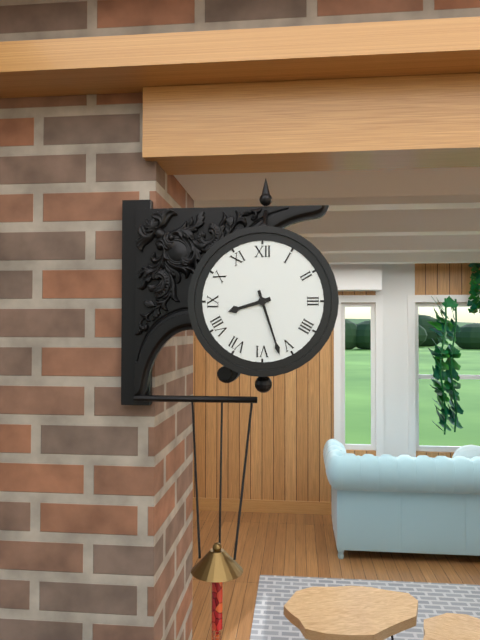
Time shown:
**8:27**
